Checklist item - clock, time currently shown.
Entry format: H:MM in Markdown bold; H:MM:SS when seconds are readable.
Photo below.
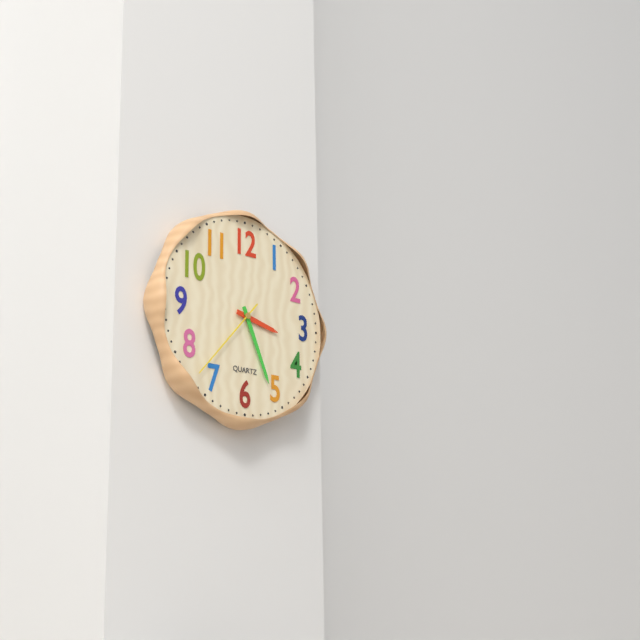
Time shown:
**3:26:37**
